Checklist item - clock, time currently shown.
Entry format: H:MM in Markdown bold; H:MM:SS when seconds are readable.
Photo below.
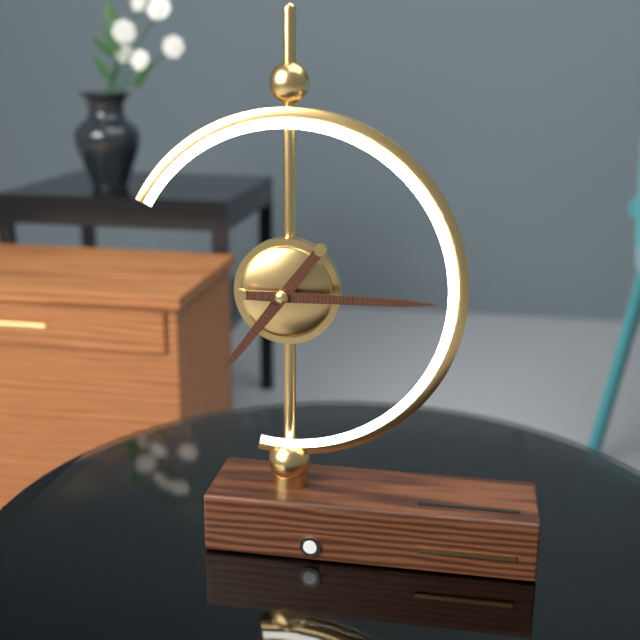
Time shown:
**7:15**
